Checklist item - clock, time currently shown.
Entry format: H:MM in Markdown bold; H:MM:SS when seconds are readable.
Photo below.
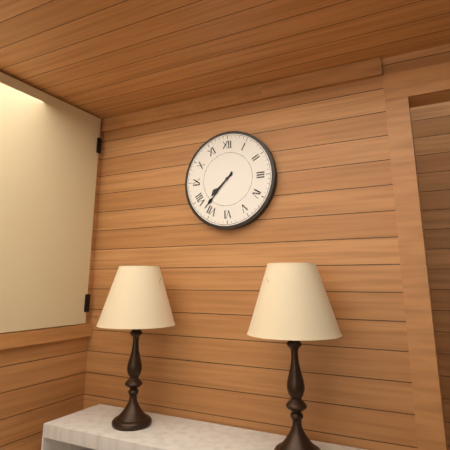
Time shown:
**7:37**
